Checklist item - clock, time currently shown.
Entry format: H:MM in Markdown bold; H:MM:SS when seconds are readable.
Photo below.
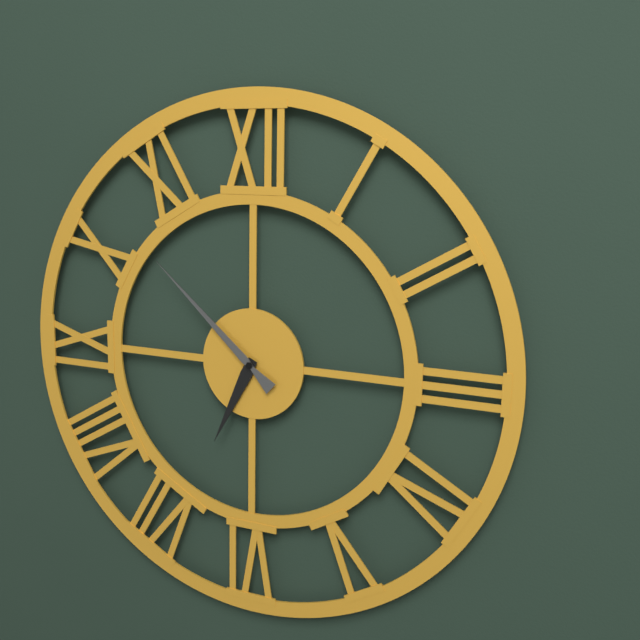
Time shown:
**6:52**
